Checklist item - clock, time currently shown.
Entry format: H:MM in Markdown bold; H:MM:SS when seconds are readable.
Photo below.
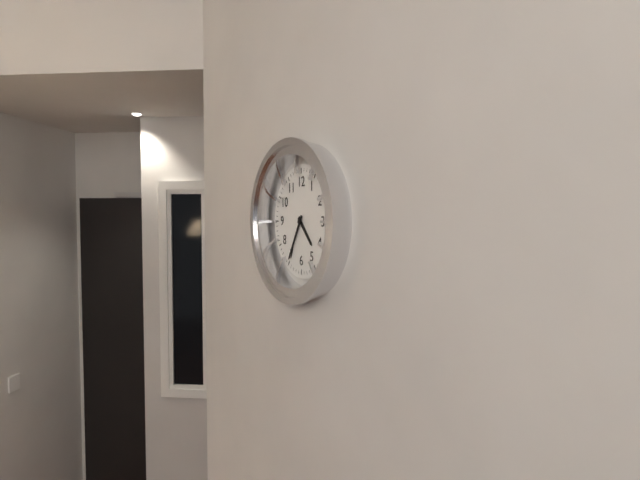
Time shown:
**4:35**
